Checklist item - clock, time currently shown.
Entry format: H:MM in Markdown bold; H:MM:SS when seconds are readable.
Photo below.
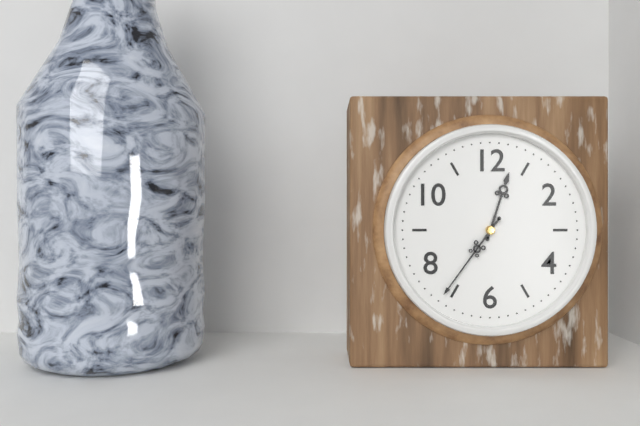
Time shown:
**12:36**
